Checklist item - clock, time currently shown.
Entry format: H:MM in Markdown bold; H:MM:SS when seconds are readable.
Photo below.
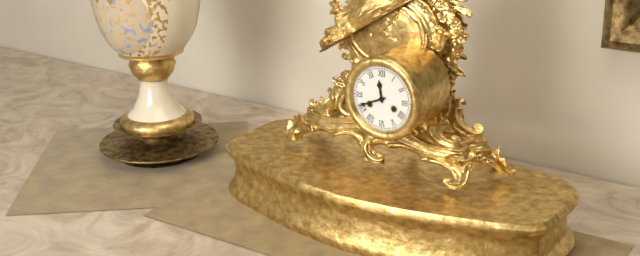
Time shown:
**11:41**
